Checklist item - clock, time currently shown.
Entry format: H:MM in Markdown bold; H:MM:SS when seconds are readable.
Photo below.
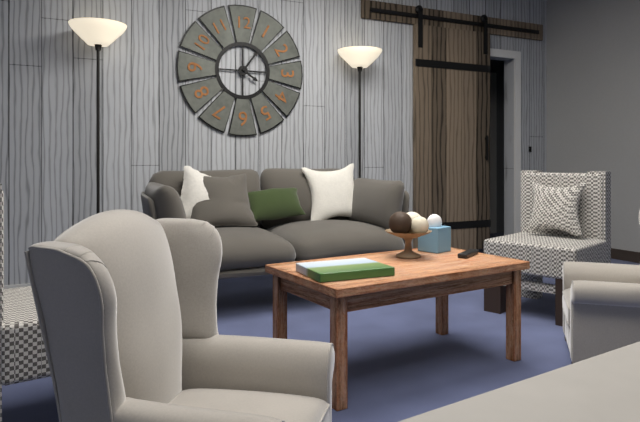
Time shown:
**4:06**
